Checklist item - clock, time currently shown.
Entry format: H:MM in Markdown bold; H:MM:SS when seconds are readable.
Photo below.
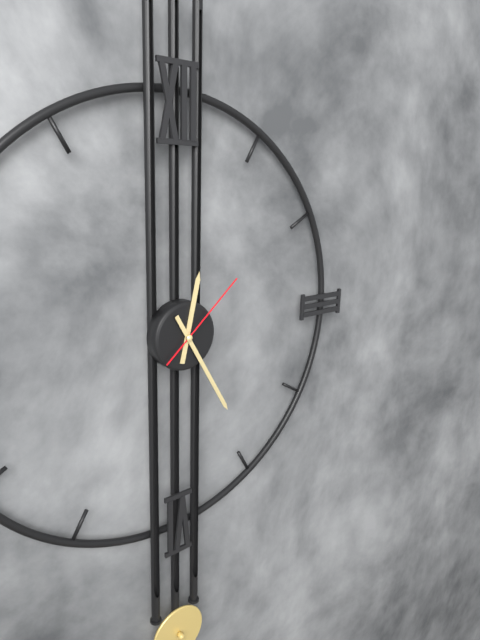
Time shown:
**12:25:08**
